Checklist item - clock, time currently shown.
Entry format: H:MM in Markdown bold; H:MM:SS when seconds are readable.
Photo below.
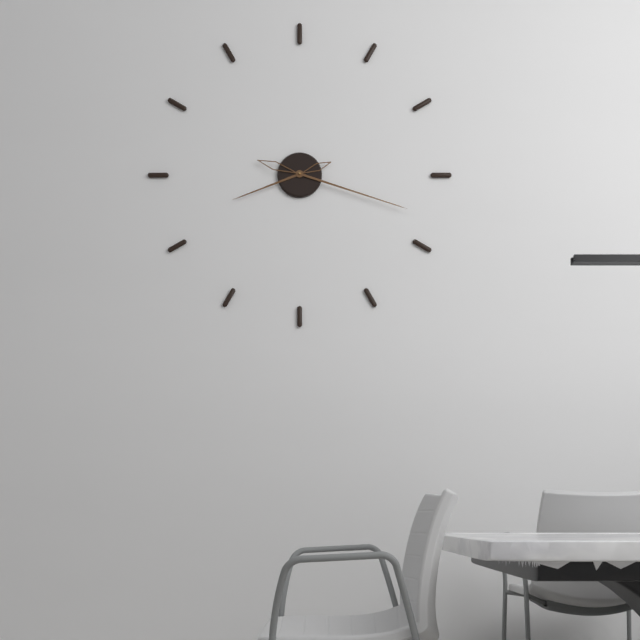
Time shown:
**8:18**
